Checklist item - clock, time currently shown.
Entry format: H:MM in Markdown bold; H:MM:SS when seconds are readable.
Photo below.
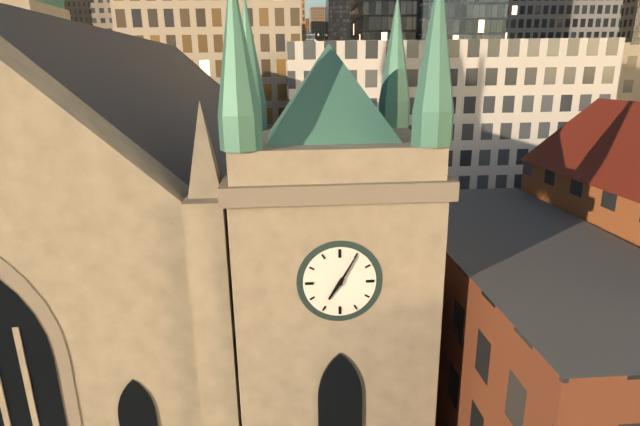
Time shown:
**7:05**
